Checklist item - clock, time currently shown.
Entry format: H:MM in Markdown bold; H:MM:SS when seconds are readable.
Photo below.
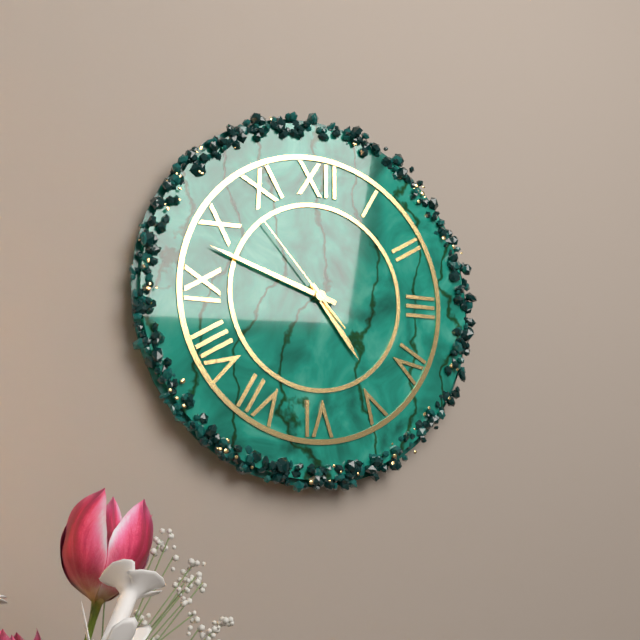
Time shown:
**4:48:53**
